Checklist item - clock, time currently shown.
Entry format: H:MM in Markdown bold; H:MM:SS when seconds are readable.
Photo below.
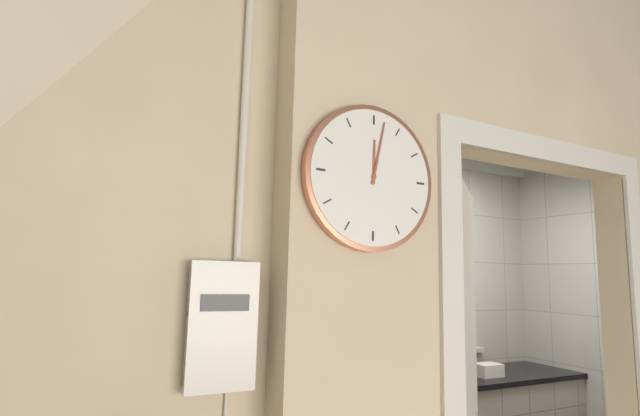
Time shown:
**12:02**
